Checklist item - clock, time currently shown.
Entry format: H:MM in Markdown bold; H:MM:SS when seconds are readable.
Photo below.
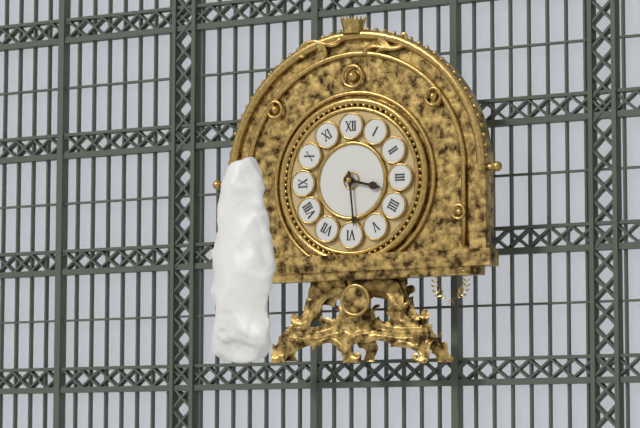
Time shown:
**3:29**
